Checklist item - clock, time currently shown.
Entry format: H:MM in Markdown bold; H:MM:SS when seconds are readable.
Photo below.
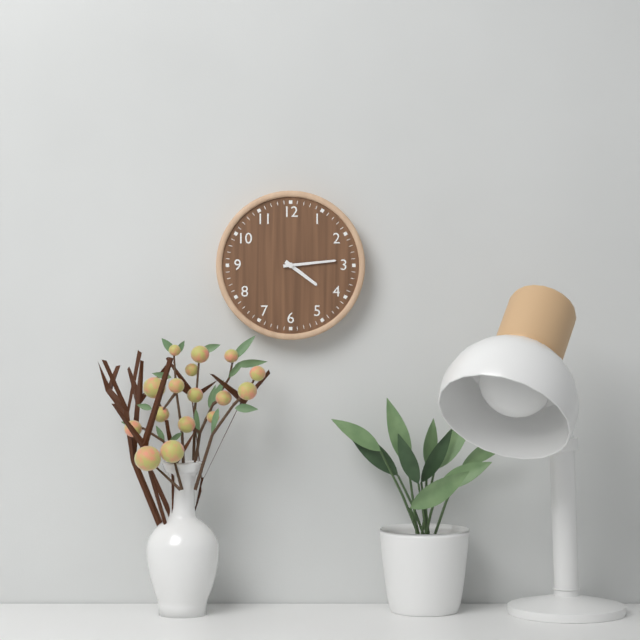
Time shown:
**4:14**
